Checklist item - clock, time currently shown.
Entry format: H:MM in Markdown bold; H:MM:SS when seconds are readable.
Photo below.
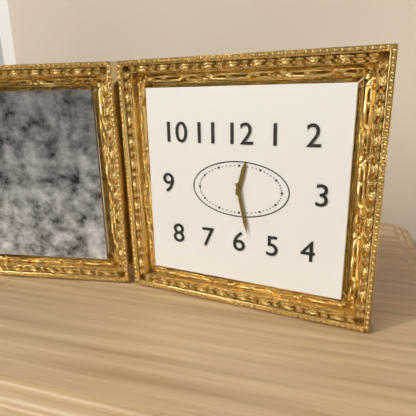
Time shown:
**12:28**
